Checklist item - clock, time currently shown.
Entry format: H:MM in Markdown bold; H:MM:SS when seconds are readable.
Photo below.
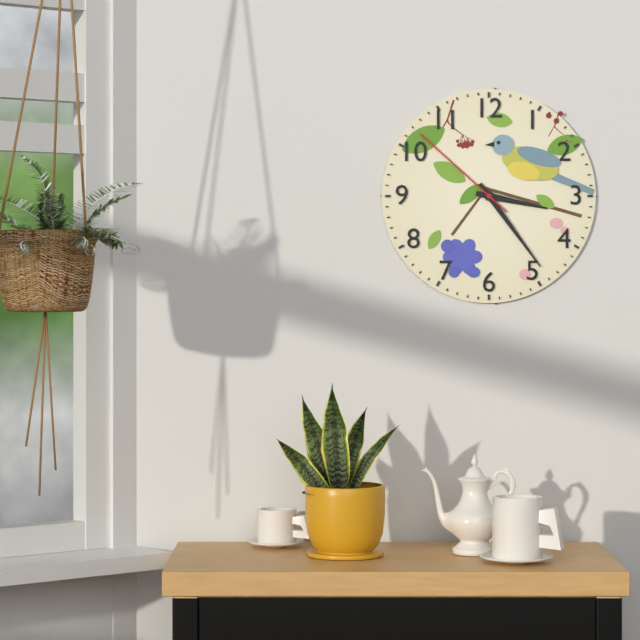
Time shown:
**3:24:52**
